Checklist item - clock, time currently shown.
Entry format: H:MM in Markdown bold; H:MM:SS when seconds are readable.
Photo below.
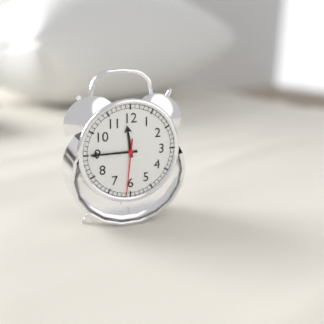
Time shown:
**11:45:31**
